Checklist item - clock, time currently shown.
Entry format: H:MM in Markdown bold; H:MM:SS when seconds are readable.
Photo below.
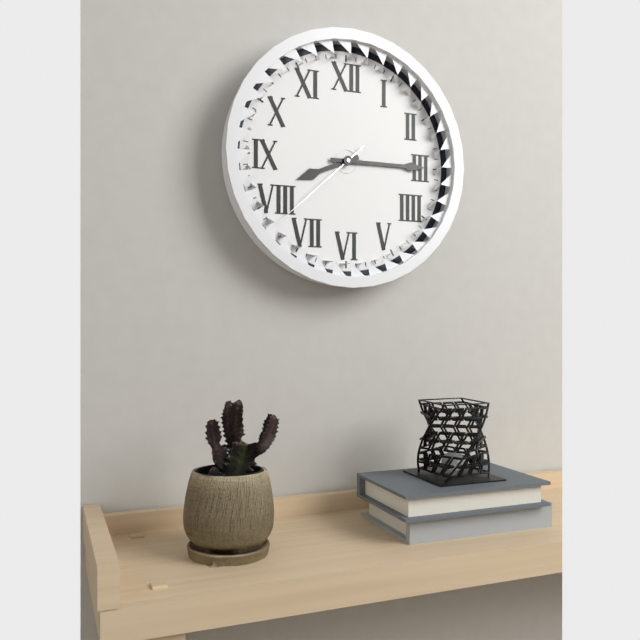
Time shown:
**8:15:38**
